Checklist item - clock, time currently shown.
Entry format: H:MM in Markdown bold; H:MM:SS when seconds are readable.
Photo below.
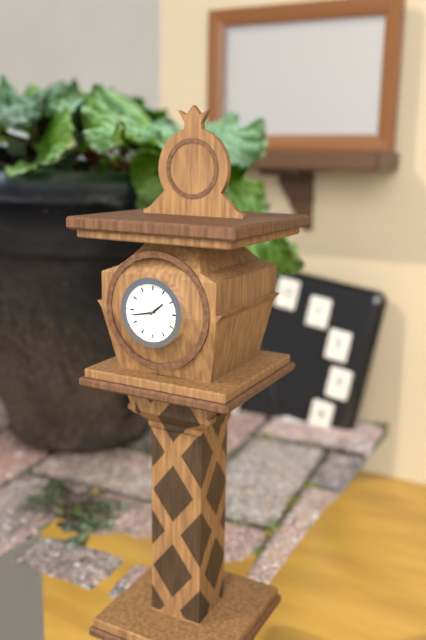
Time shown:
**1:43**
